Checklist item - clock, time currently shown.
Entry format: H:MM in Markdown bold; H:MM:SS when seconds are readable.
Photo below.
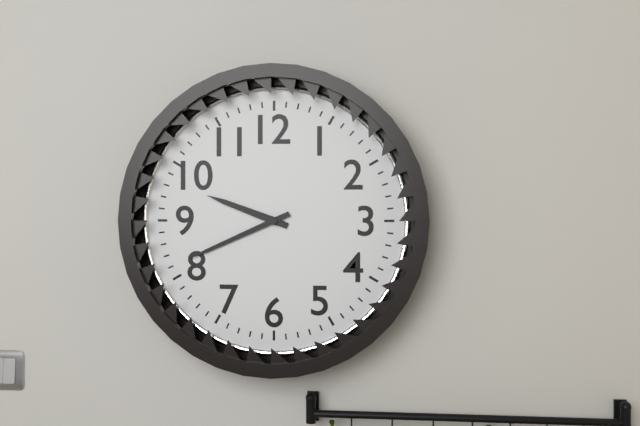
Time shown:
**9:41**
